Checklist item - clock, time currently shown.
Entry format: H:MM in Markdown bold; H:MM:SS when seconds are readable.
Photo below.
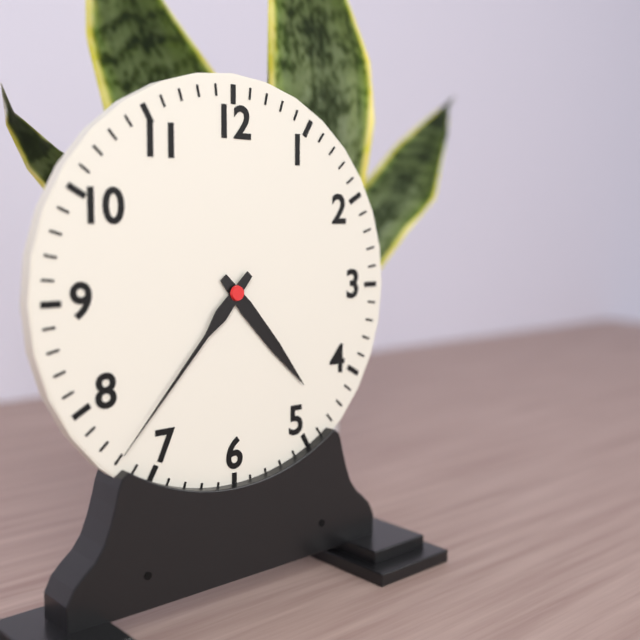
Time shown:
**4:37**
